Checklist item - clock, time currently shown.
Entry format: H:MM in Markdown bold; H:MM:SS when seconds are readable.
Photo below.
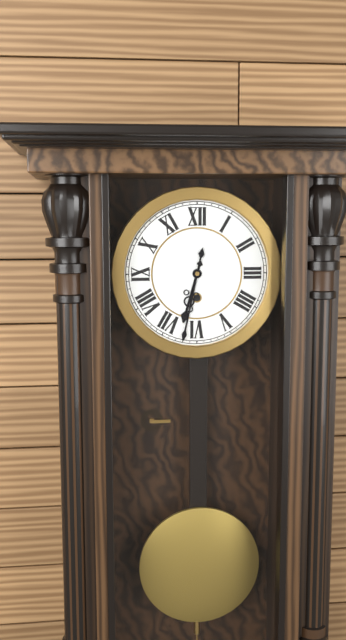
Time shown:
**6:32**
